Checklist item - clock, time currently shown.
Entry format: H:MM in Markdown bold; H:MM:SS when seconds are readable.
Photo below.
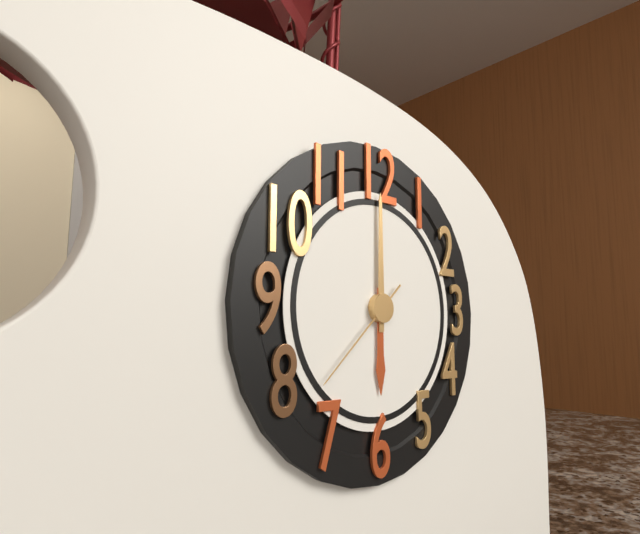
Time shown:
**6:00:38**
